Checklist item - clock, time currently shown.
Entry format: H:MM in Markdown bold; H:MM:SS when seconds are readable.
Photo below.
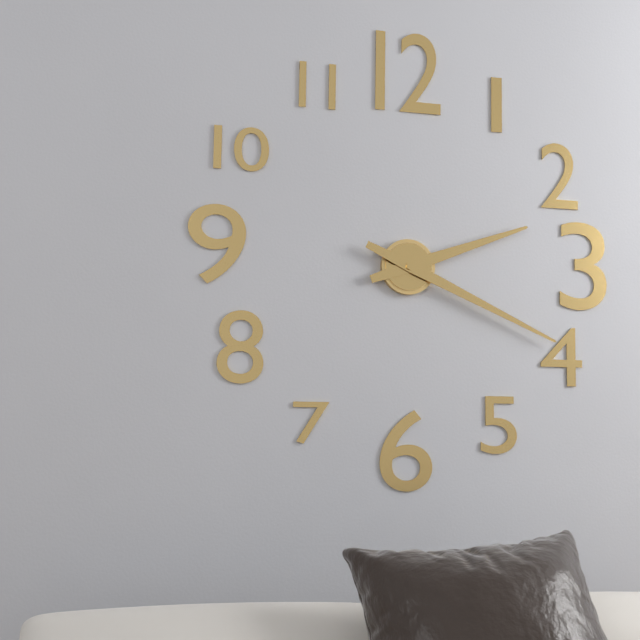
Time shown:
**2:19**
